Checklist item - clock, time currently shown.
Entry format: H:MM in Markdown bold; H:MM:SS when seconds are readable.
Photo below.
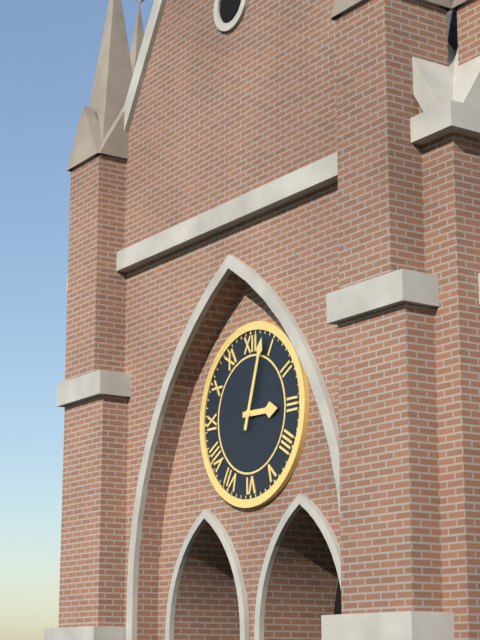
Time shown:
**3:03**
